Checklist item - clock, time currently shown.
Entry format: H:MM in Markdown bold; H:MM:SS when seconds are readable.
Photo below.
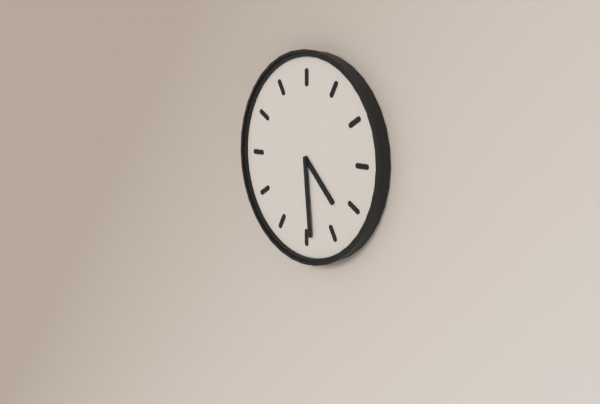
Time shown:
**4:29**
